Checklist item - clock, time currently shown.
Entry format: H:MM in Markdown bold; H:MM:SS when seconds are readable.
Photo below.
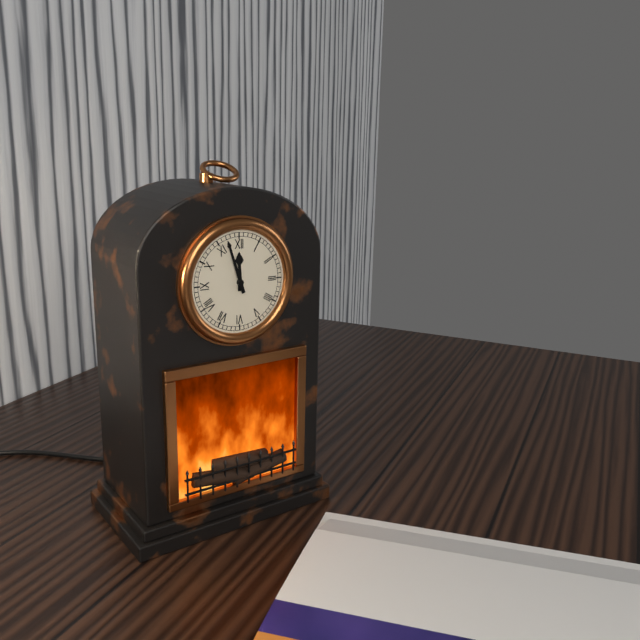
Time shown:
**11:57**
